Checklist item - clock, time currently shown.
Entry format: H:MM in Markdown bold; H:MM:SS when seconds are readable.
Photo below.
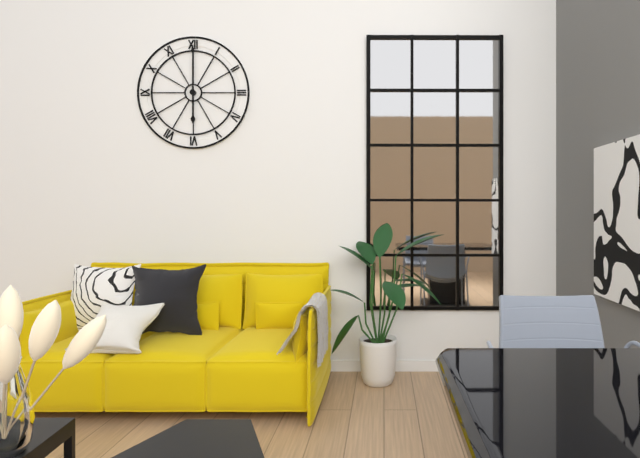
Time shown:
**6:00**
